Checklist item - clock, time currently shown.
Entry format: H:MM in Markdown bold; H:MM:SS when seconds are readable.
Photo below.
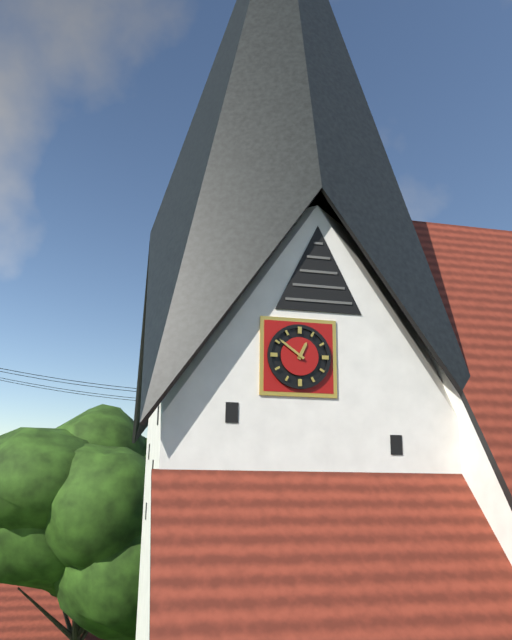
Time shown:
**12:51**
